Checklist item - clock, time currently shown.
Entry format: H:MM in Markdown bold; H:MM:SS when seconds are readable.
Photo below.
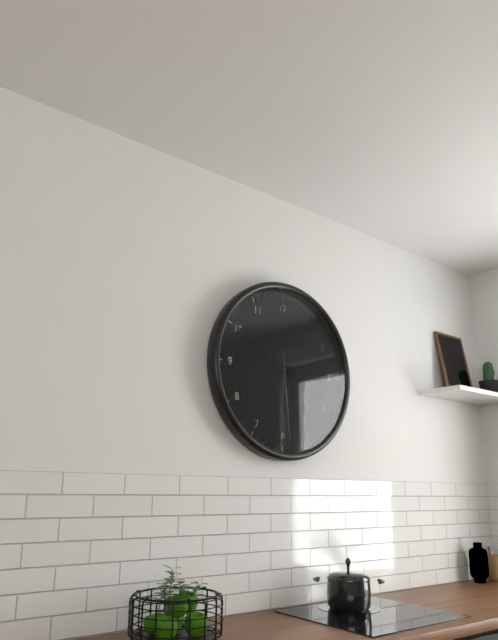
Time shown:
**5:50:29**
